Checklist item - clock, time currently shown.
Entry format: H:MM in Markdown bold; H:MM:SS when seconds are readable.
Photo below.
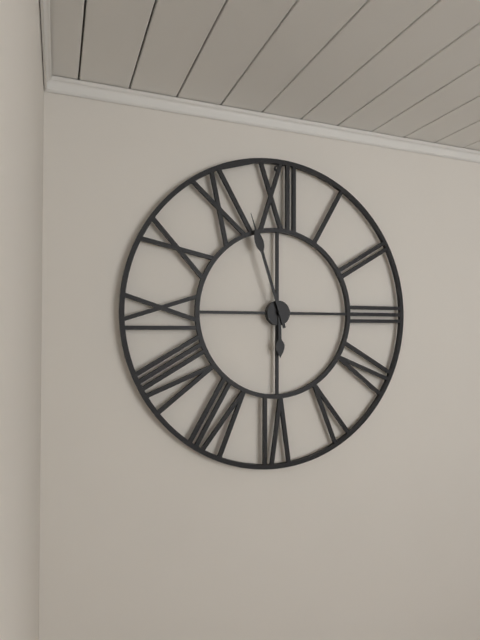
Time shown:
**5:57**
